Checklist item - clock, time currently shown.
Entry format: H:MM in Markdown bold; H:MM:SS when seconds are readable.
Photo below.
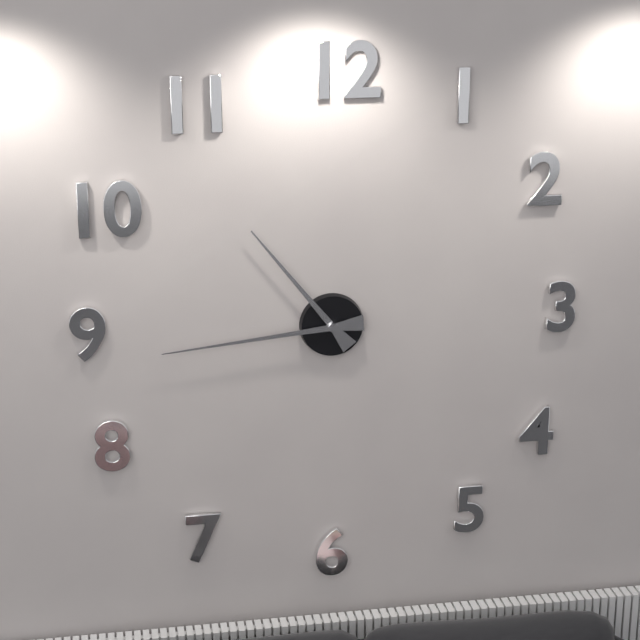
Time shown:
**10:44**
